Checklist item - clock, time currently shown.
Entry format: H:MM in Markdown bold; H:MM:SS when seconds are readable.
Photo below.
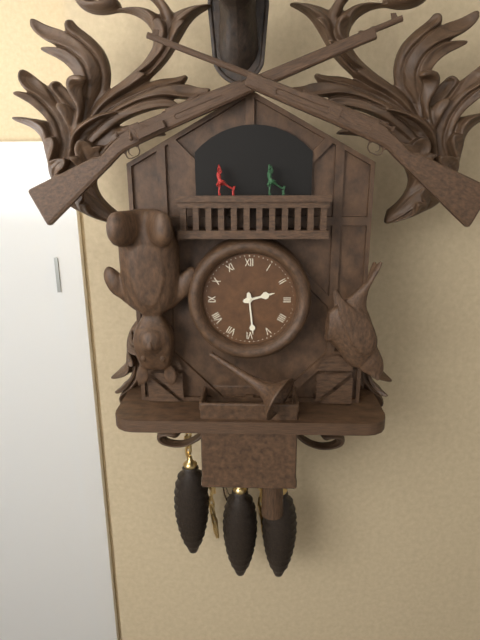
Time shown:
**2:29**
